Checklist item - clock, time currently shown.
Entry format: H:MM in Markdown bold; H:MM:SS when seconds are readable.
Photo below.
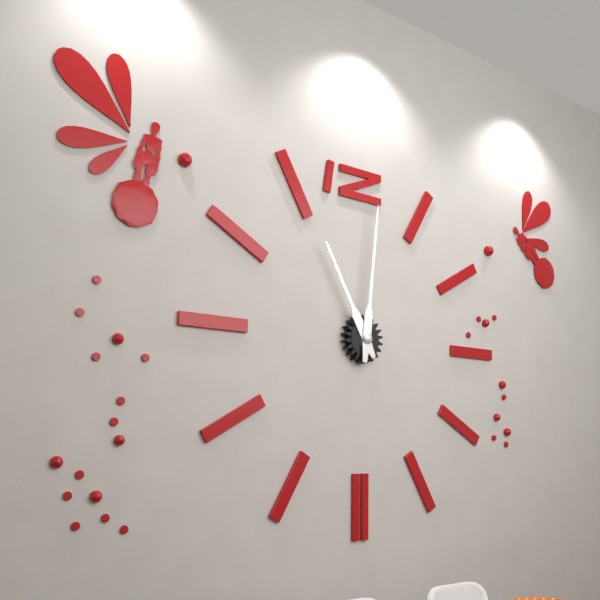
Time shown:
**11:01**
